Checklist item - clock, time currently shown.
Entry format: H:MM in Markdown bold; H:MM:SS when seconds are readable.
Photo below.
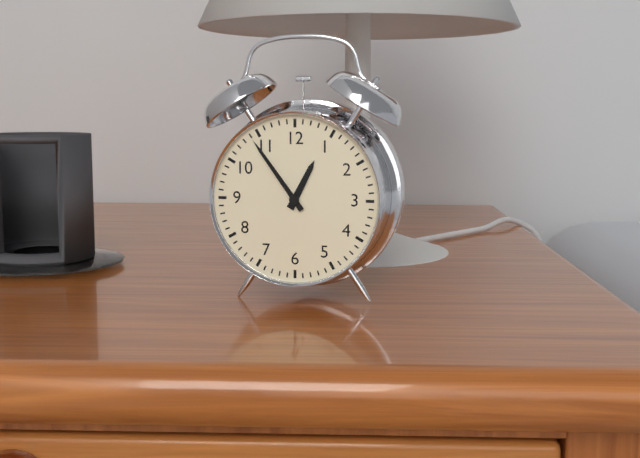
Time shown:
**12:54**
